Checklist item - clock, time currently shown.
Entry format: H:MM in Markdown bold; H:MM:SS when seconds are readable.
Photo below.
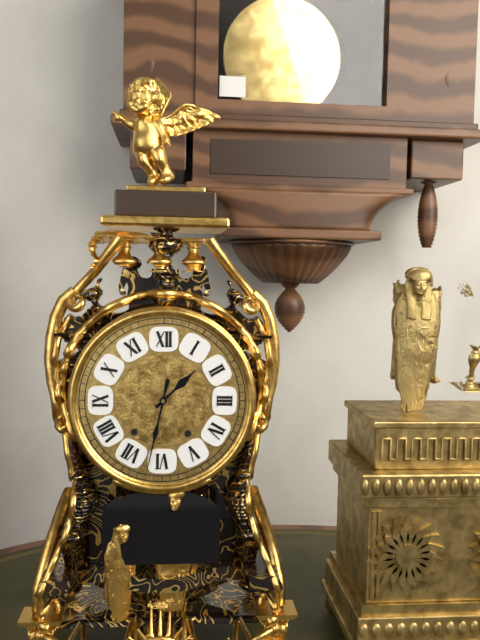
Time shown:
**1:32**
